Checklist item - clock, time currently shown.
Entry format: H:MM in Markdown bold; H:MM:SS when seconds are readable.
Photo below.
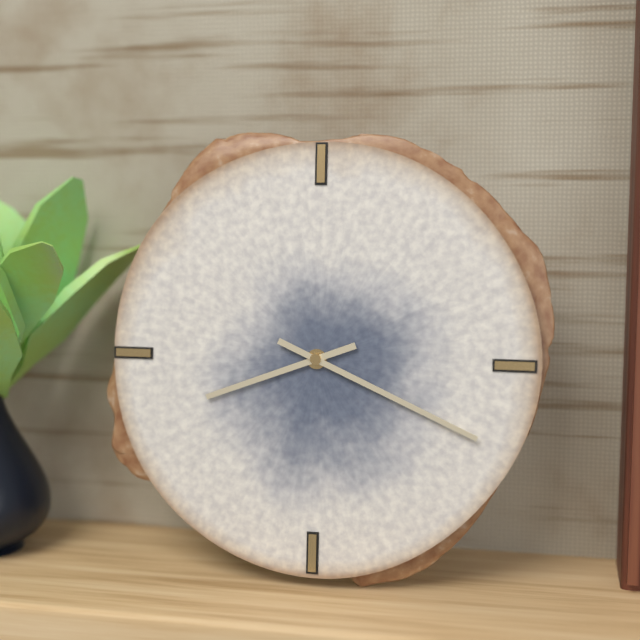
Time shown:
**8:19**
